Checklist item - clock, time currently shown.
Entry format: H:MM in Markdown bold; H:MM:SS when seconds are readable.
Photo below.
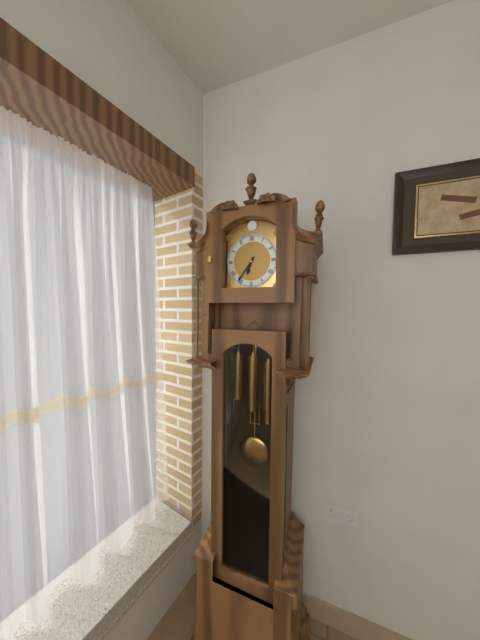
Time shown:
**6:36**
